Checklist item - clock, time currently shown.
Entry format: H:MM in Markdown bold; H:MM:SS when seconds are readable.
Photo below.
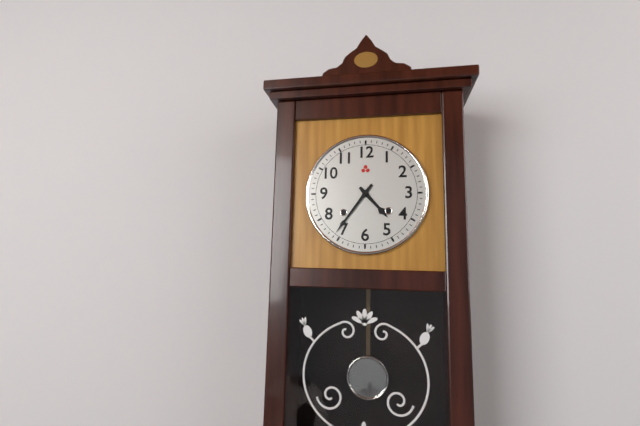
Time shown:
**4:36**
